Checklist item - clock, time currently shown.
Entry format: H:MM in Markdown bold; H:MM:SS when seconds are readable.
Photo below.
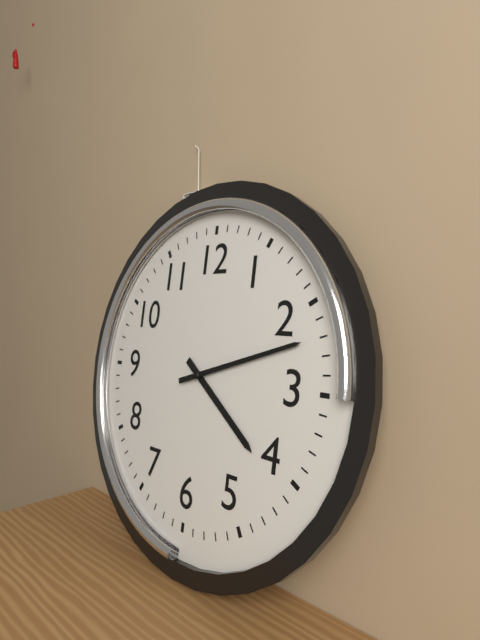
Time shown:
**4:12**
